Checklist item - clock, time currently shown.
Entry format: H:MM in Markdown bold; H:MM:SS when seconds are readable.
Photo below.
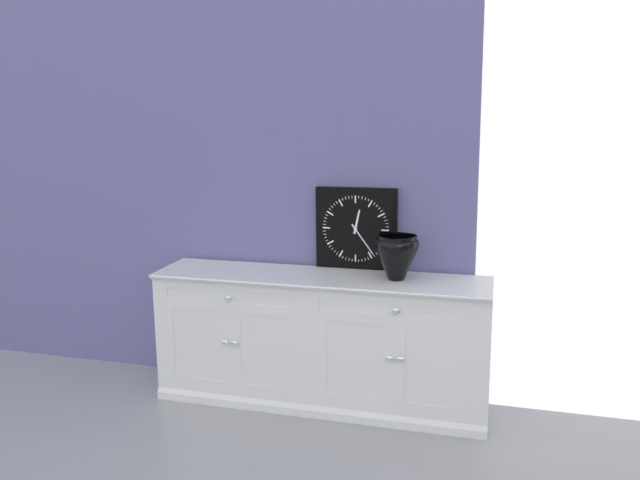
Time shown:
**12:24**
